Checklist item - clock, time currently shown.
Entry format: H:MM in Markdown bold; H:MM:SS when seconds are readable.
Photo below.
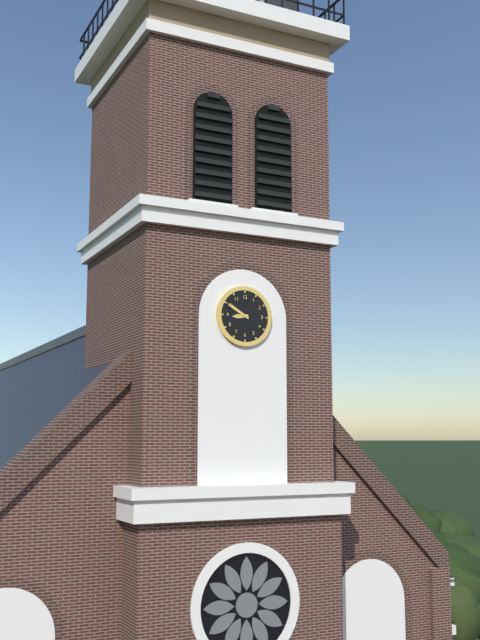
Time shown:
**8:50**
